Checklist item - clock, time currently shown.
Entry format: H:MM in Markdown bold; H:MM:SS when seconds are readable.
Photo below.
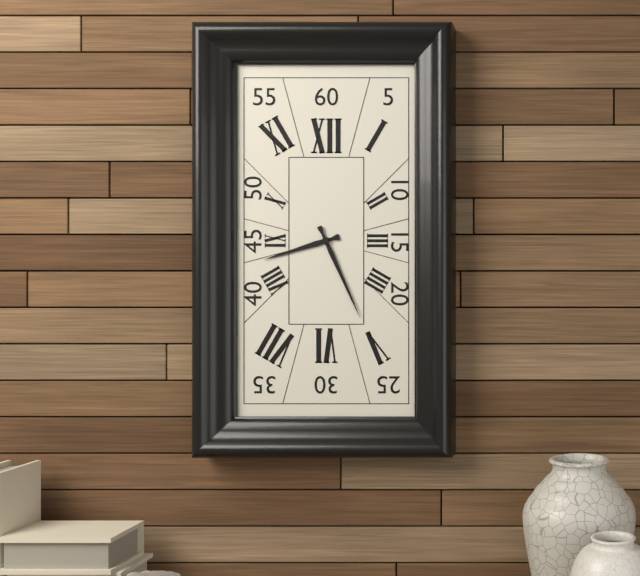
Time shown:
**8:26**
